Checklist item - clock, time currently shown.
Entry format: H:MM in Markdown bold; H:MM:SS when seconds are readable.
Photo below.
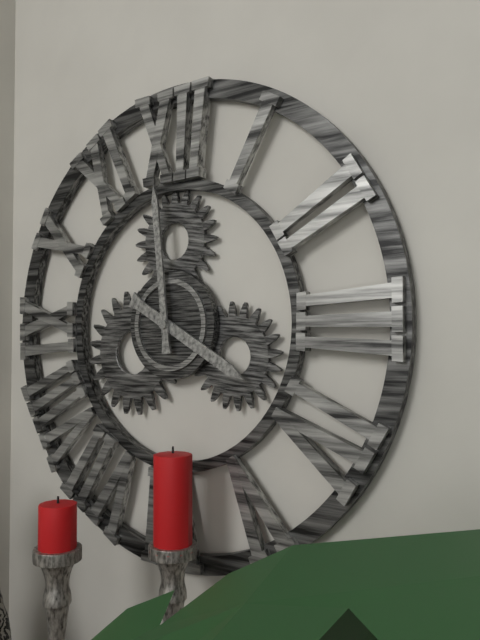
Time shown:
**3:59**
